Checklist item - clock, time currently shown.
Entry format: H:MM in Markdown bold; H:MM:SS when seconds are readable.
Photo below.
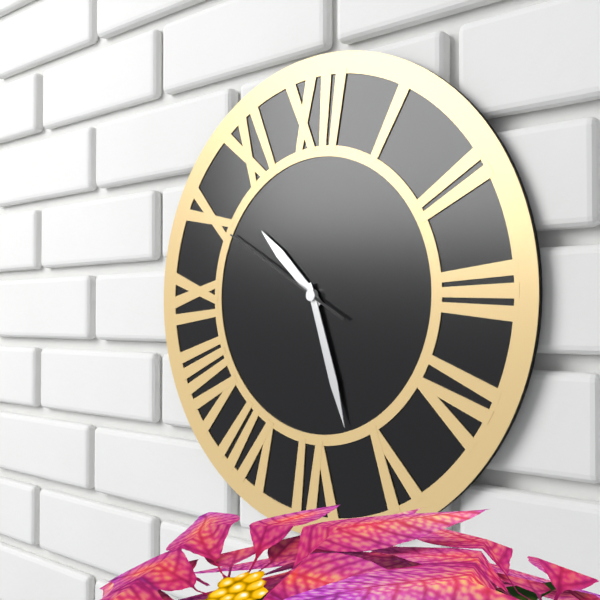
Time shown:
**10:27:50**
